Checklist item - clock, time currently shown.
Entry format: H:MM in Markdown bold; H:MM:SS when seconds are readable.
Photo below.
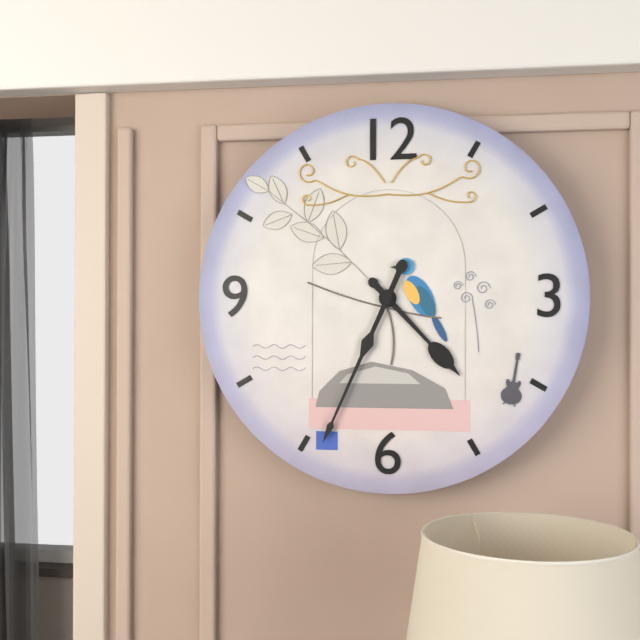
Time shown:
**4:34**
